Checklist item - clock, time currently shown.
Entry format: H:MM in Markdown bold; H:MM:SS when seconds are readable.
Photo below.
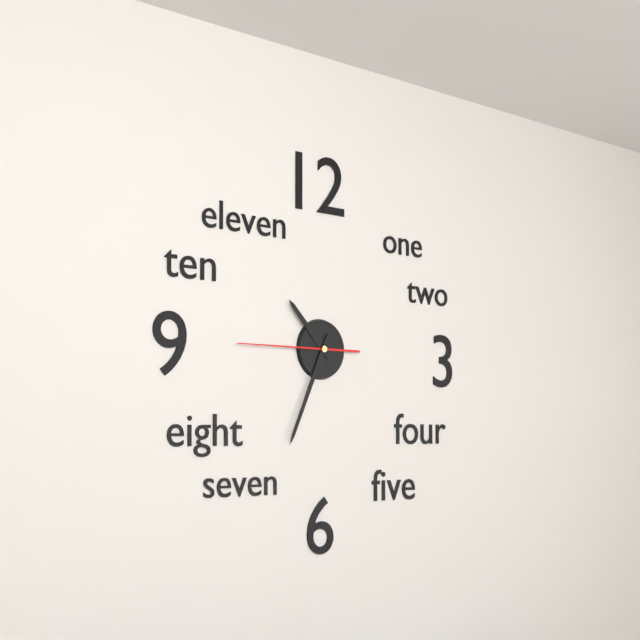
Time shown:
**10:34:45**
